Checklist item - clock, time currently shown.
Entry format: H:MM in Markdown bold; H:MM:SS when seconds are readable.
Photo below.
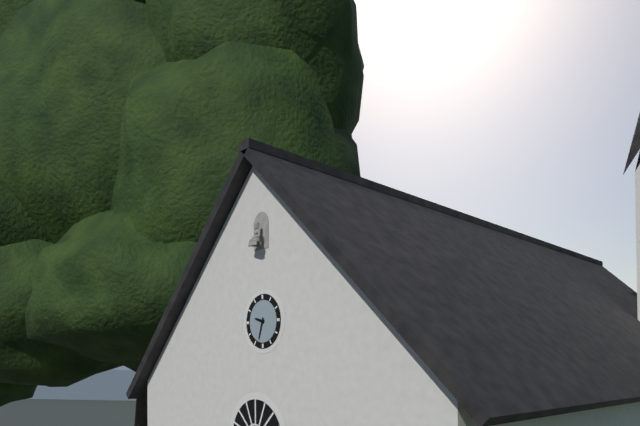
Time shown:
**9:33**
